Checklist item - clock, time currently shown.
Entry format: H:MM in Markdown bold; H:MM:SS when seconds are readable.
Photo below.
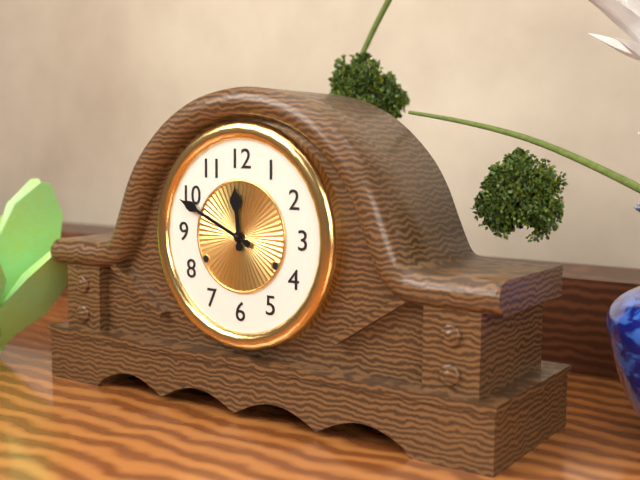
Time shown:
**11:49**
